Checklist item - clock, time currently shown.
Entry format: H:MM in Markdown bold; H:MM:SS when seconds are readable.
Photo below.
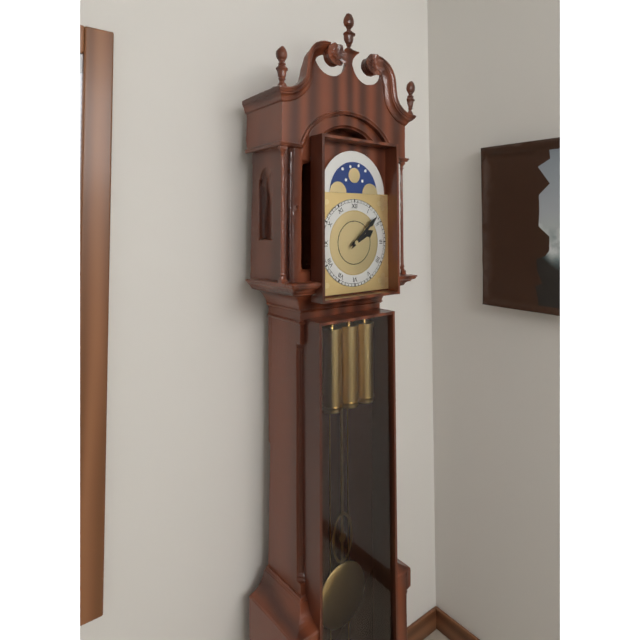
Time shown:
**2:08**
